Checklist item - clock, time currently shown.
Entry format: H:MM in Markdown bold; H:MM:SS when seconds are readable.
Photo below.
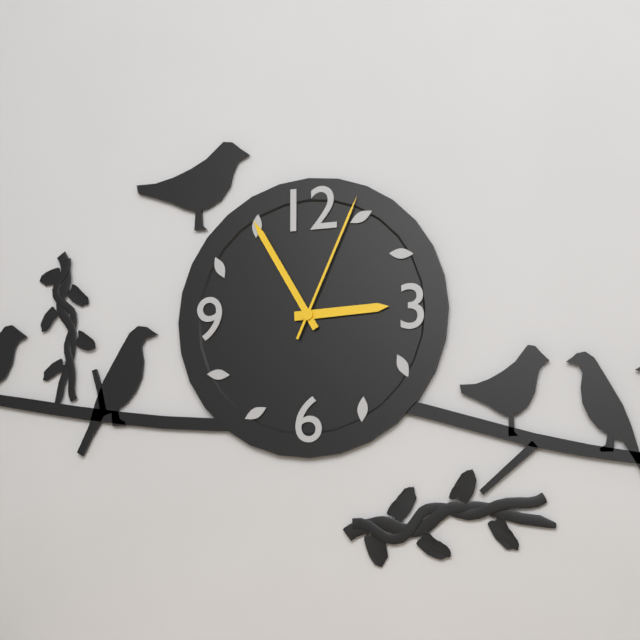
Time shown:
**2:55:04**
